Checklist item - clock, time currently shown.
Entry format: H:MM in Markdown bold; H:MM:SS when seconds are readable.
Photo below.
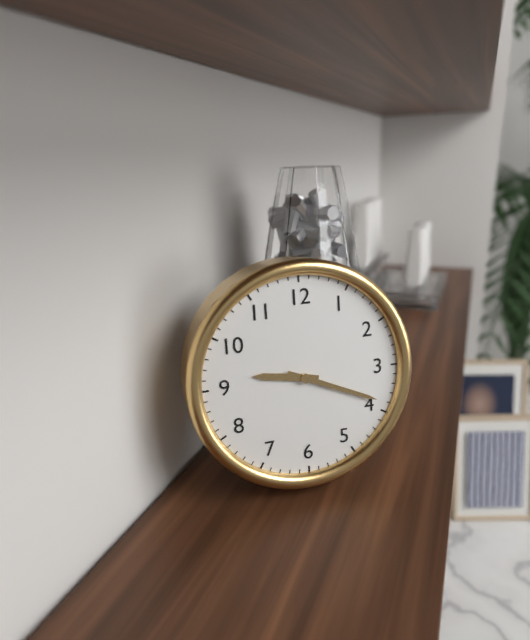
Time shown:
**9:19**
